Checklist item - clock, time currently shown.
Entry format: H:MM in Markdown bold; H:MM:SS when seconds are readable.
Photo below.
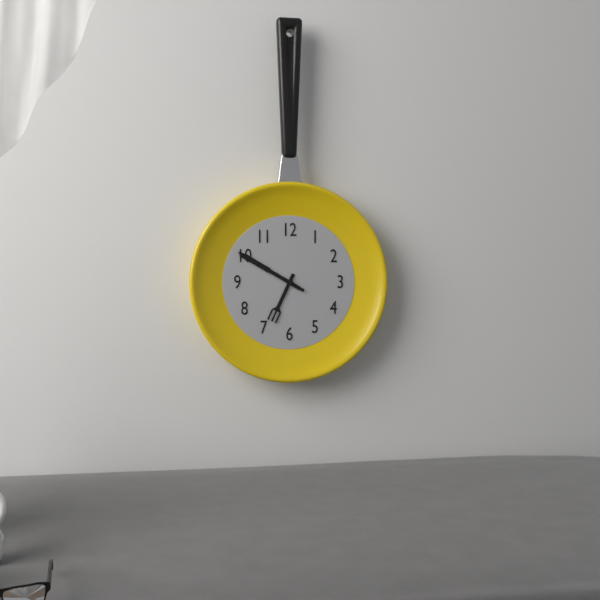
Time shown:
**6:50:50**
